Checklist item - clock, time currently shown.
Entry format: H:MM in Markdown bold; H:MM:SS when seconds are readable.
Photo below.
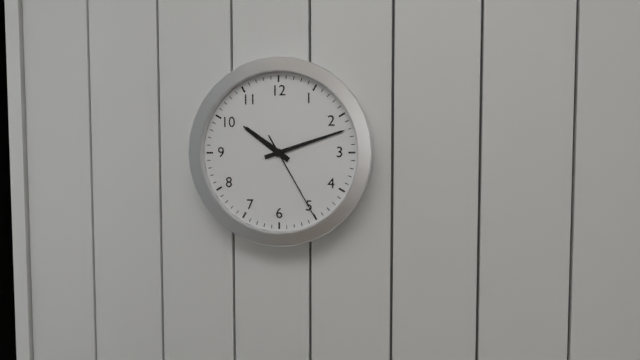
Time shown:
**10:12:25**
